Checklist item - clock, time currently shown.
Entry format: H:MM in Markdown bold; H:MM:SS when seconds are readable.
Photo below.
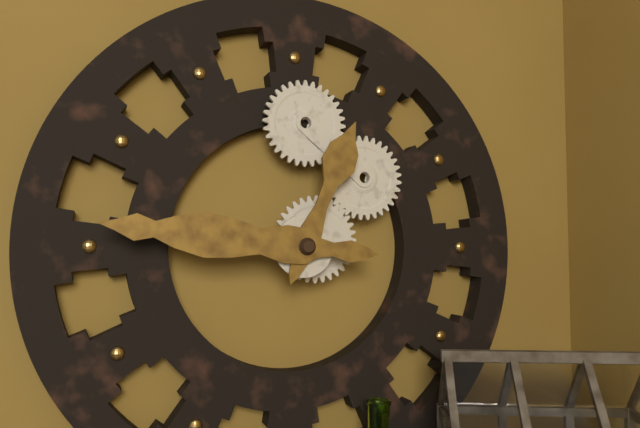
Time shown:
**12:46**
